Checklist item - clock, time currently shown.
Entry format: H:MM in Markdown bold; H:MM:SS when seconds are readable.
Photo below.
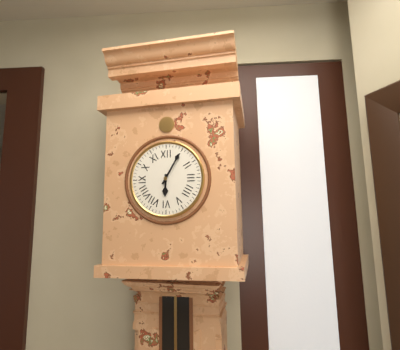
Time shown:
**6:05**
